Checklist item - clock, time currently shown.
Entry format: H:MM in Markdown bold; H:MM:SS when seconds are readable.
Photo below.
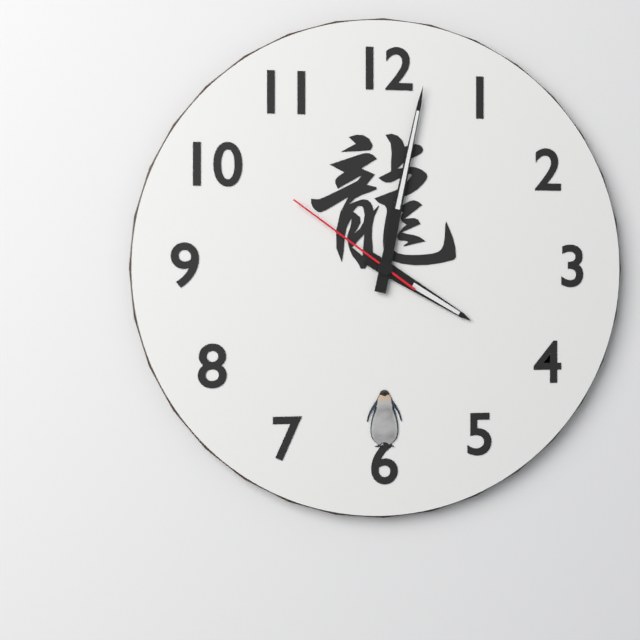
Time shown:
**4:02:51**
